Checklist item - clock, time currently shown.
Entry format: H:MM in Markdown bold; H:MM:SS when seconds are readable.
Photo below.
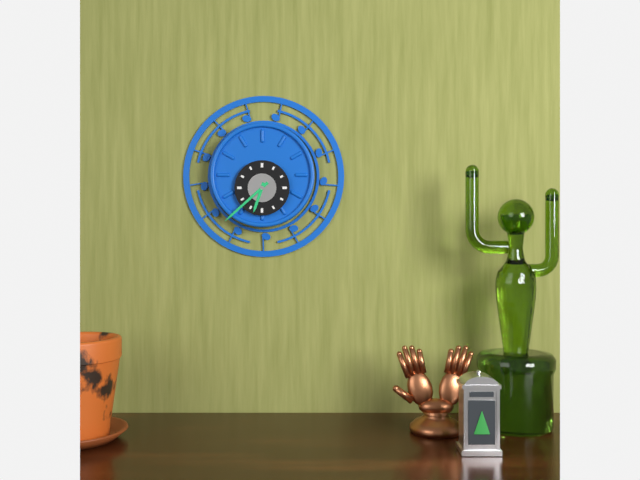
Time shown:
**6:38**
